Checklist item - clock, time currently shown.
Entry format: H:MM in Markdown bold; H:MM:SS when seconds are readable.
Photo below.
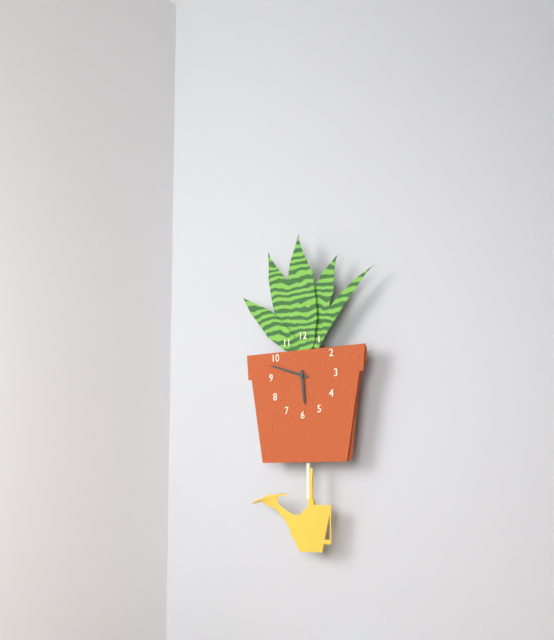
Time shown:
**5:48**
